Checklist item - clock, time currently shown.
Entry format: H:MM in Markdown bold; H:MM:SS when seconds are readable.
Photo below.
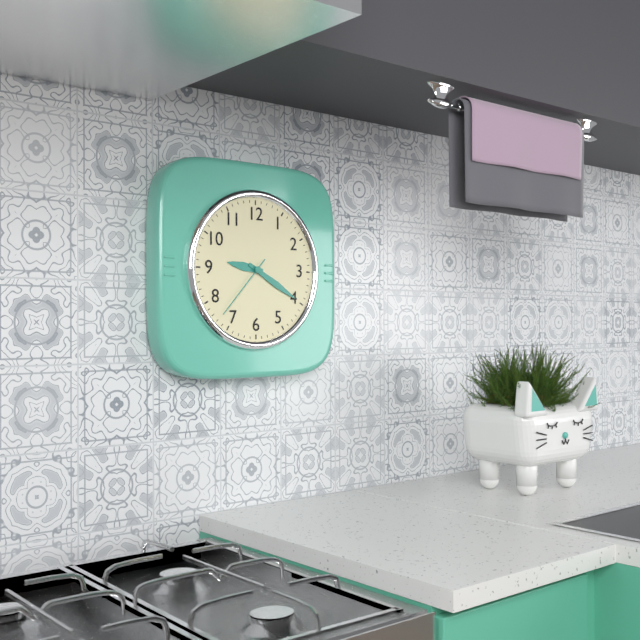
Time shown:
**9:20:37**
